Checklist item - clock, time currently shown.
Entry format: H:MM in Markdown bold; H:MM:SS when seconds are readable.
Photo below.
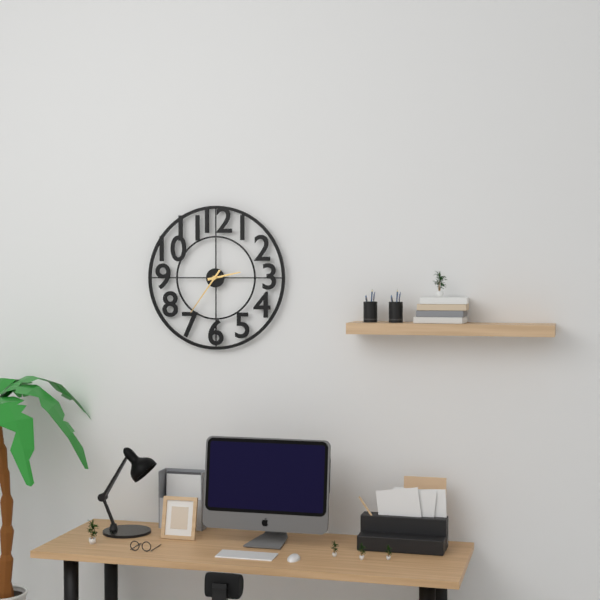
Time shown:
**2:36**
